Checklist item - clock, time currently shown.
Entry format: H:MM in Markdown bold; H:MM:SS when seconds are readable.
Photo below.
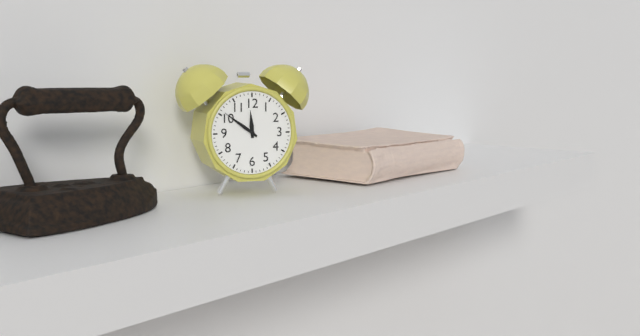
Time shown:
**11:51**
